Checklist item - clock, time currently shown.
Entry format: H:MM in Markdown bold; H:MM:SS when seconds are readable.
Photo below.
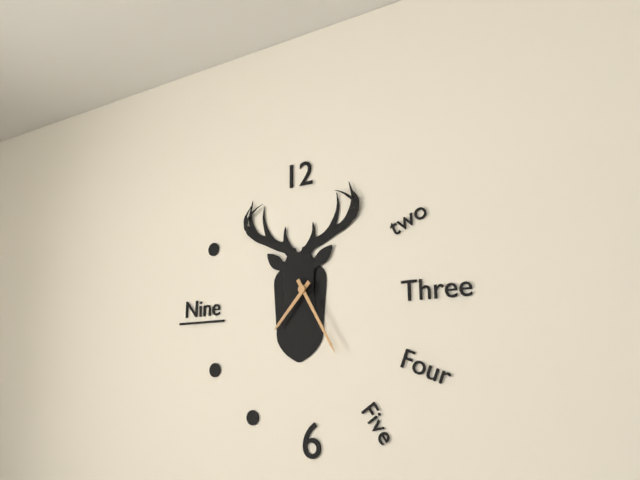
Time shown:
**7:25**
